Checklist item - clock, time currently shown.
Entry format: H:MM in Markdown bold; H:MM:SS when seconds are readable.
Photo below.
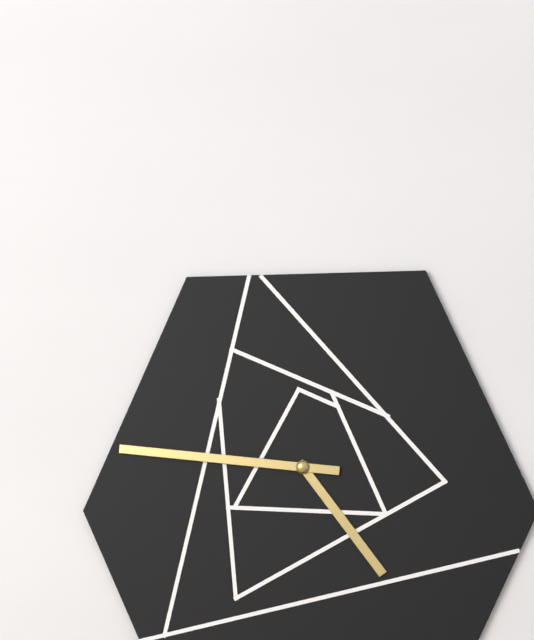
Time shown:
**4:46**
